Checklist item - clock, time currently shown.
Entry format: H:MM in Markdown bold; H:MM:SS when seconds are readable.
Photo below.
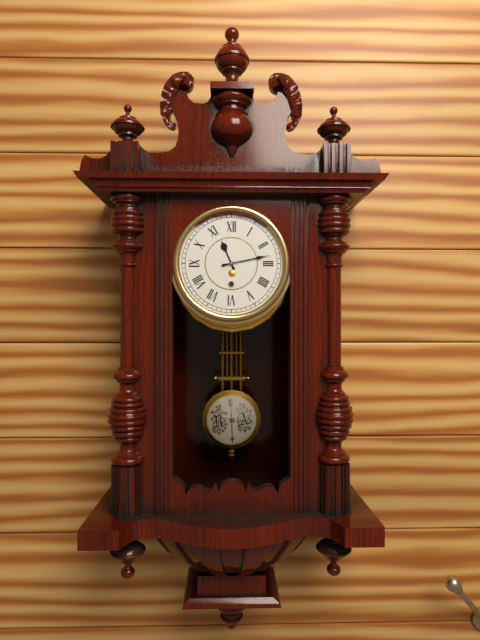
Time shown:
**11:13**
